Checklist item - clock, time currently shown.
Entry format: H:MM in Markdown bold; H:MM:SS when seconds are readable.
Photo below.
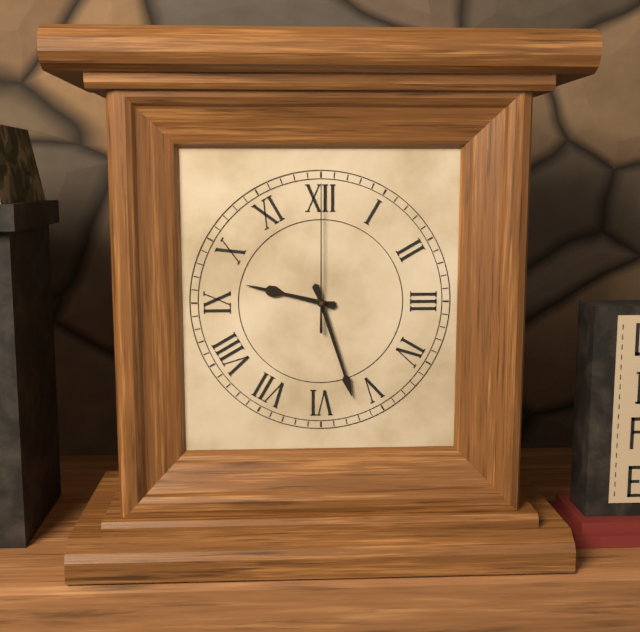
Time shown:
**9:27:00**
